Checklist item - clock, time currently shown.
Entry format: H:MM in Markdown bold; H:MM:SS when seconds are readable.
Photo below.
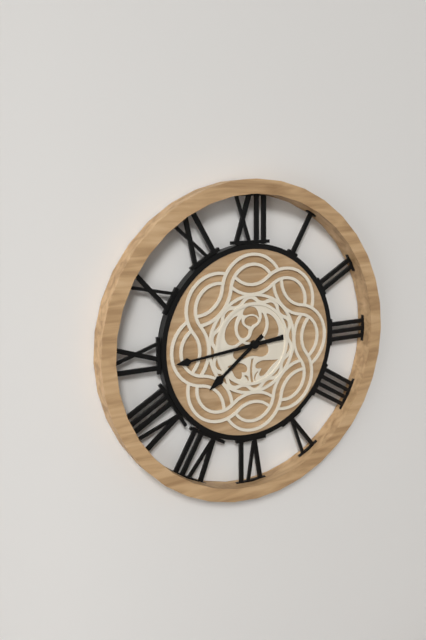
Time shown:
**7:44**
